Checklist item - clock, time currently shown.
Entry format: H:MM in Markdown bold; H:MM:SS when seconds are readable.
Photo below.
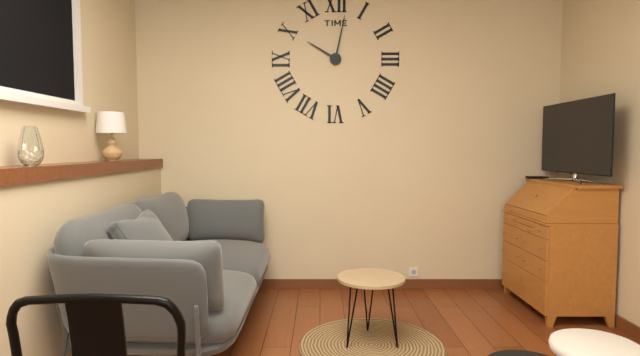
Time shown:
**10:02**
